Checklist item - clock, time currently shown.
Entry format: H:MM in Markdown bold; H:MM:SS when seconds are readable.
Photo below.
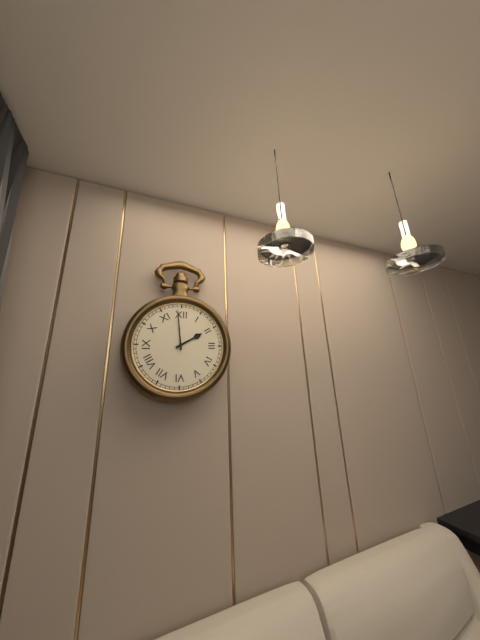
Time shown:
**1:59**
